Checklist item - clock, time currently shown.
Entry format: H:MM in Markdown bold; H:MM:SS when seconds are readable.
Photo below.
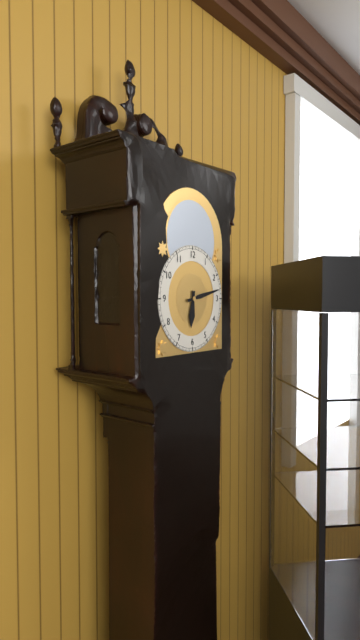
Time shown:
**6:13**
